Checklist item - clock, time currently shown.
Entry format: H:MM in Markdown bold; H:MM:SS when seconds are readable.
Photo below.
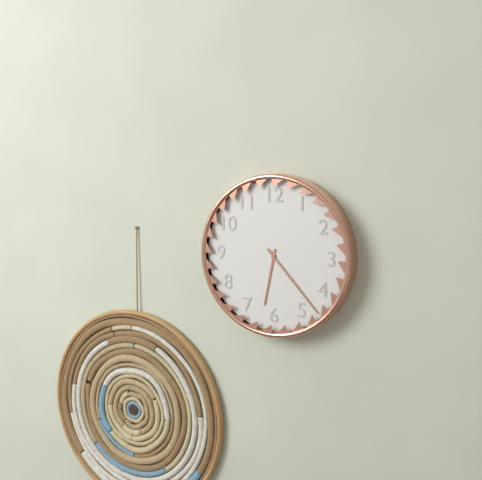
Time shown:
**6:23**
